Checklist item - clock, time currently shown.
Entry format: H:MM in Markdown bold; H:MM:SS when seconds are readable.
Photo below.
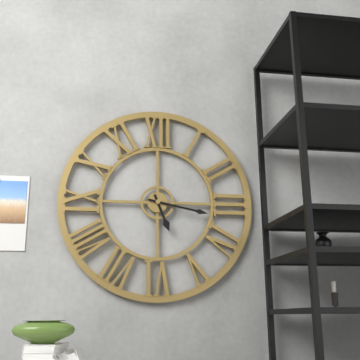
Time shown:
**5:17**
